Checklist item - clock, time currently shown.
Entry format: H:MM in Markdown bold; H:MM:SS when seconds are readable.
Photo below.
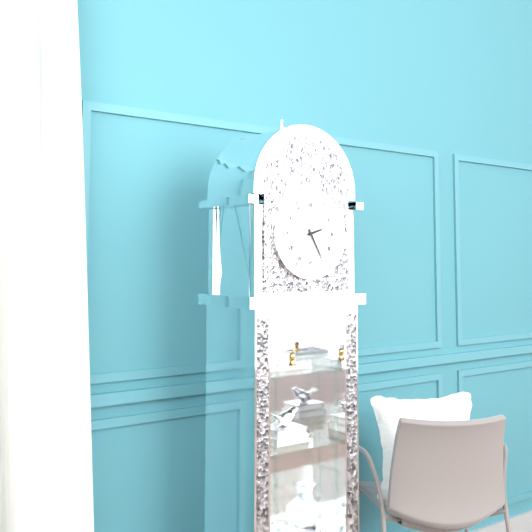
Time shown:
**2:25**
